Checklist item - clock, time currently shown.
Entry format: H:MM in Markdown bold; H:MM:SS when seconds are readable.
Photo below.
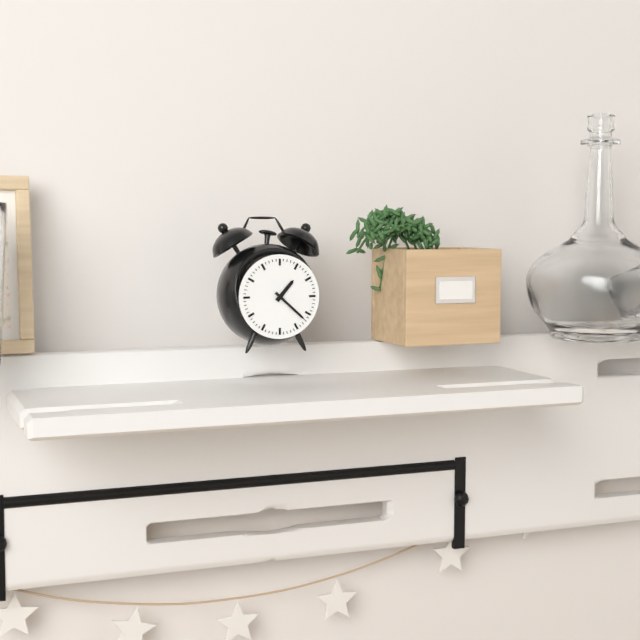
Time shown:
**1:22**
